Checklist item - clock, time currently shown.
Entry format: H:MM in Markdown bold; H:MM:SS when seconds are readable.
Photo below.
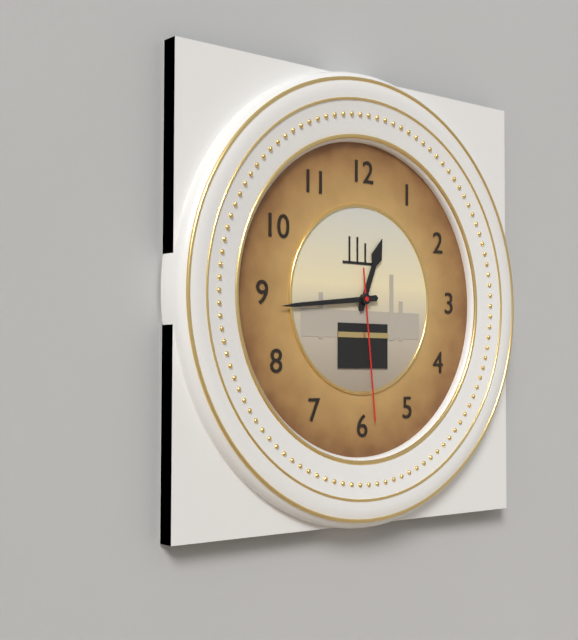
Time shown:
**12:44:29**
